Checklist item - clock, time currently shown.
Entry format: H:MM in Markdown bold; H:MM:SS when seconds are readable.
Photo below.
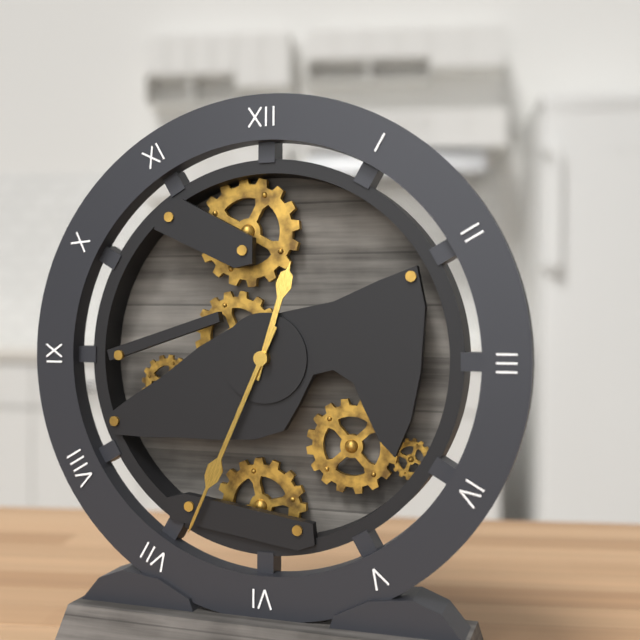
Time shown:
**12:34**
